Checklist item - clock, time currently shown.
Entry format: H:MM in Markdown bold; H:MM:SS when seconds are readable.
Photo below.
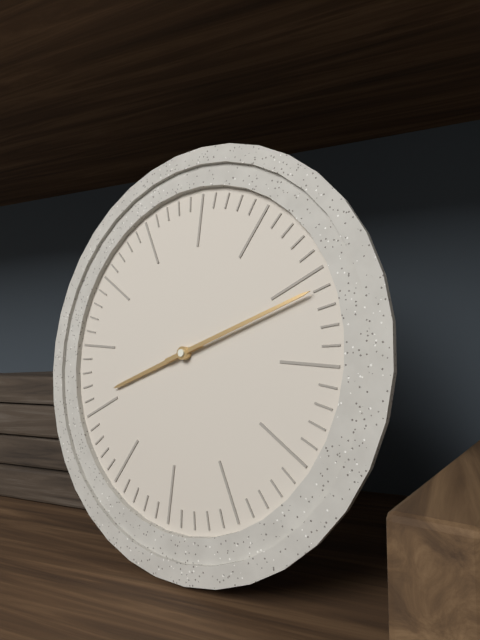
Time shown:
**8:11**
